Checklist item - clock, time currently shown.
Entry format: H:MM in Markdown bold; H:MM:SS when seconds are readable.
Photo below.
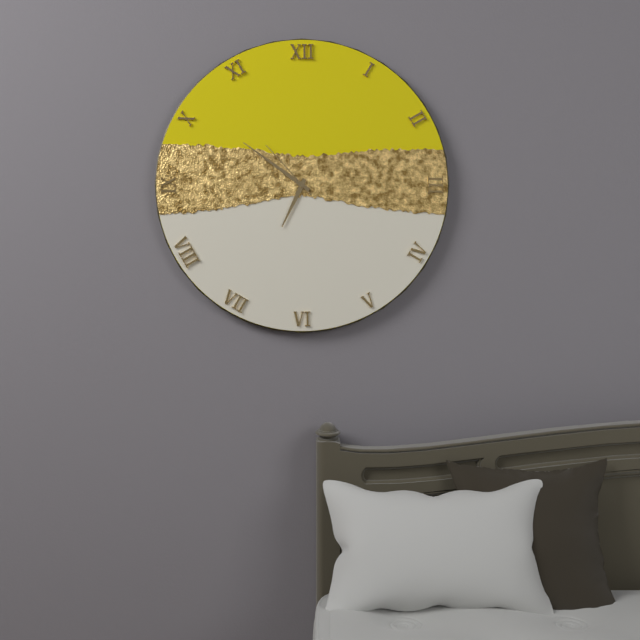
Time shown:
**6:51:53**
